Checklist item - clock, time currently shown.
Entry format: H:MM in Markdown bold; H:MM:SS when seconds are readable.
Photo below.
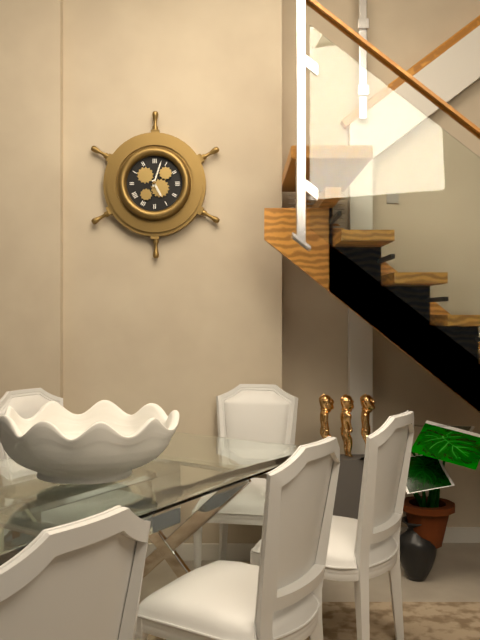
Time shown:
**5:03**
